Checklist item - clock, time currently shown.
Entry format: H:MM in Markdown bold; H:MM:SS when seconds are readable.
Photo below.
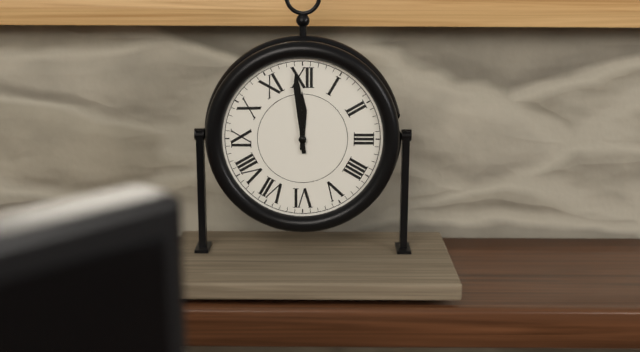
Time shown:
**11:59**
